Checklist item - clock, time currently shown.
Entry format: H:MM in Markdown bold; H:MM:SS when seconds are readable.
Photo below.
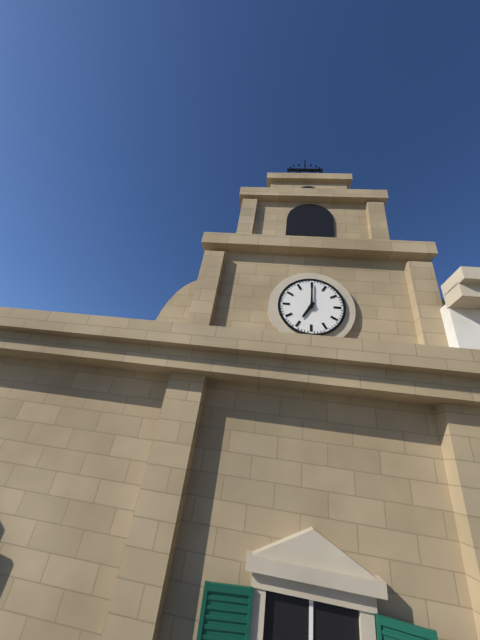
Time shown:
**7:00**
